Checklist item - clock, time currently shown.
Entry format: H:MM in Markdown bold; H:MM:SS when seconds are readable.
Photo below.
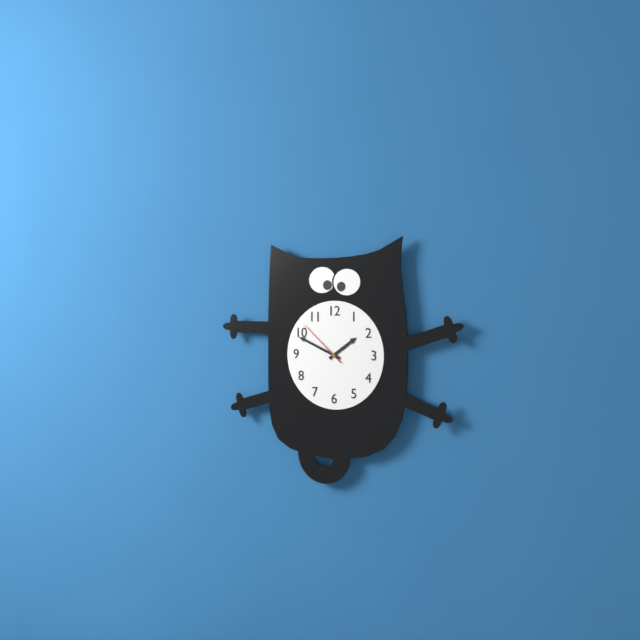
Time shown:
**1:49:52**
